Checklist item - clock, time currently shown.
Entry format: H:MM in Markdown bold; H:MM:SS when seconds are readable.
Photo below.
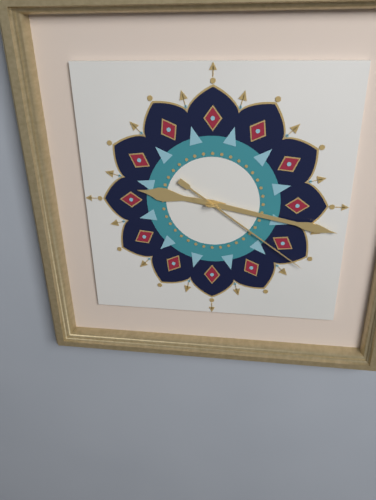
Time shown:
**9:17:21**
